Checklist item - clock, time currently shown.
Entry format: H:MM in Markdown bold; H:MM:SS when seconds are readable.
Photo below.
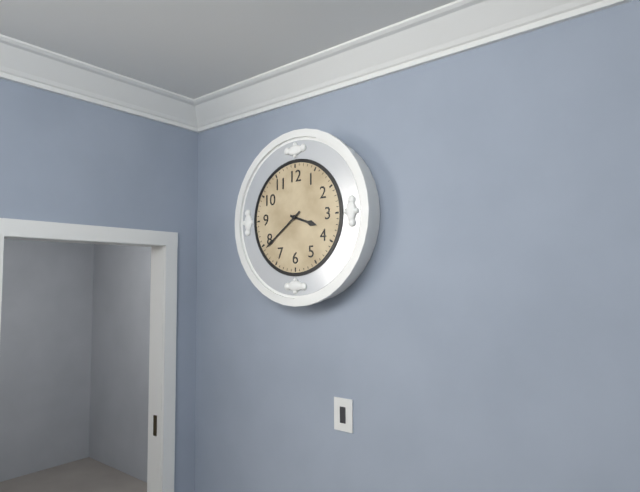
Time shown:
**3:39**
